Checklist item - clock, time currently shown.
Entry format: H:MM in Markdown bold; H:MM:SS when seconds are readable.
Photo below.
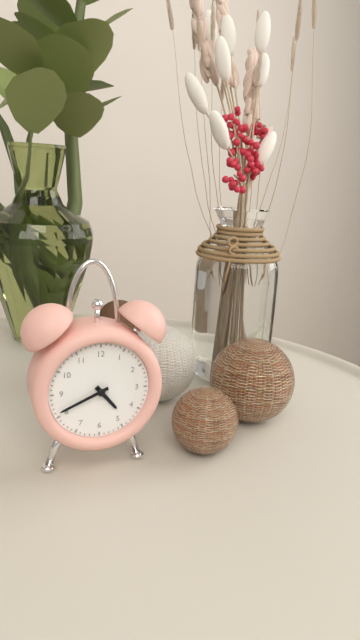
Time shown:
**4:41**
